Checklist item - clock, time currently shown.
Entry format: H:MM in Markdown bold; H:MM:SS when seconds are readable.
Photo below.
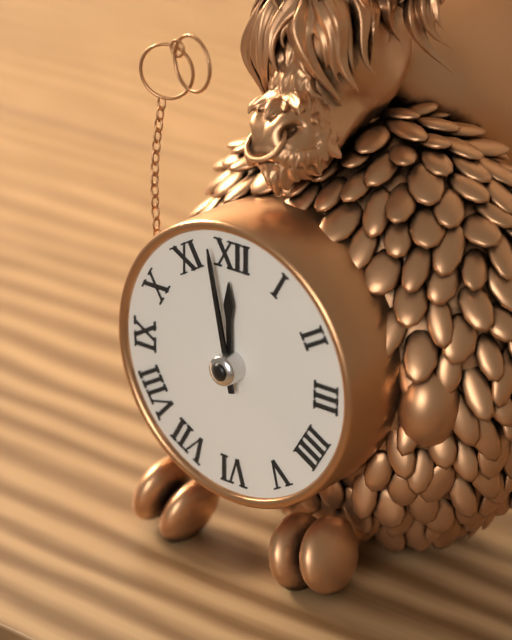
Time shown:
**11:58**
